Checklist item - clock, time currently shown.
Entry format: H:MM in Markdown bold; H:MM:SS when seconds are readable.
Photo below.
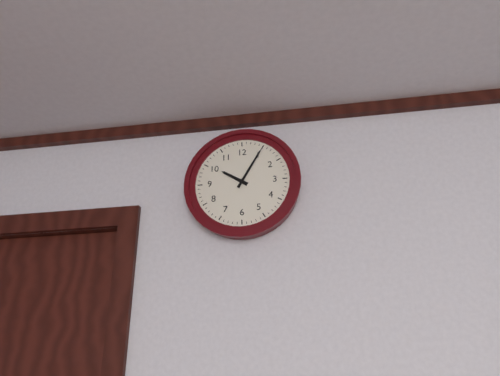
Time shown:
**10:05**
